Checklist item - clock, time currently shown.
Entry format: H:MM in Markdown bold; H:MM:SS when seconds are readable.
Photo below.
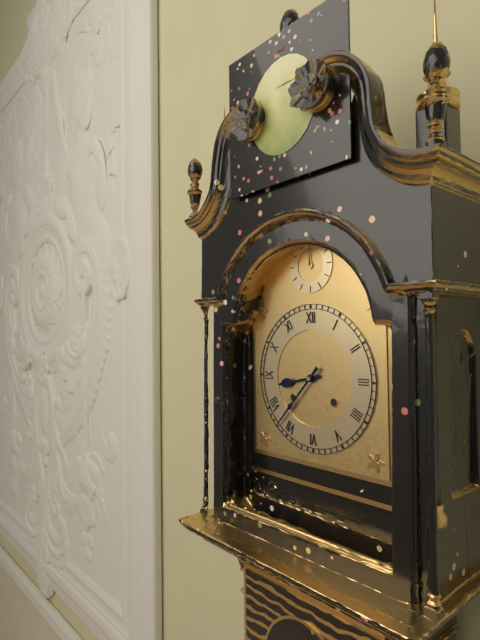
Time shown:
**8:37**
